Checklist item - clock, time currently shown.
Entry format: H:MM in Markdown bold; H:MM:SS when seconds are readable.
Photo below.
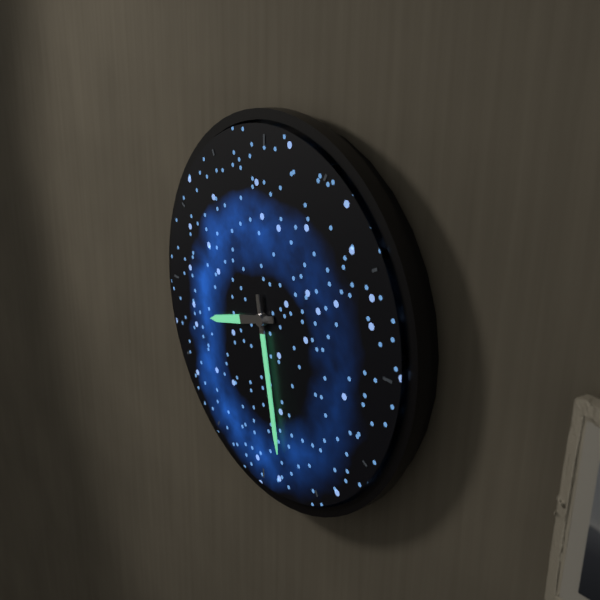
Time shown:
**8:28**
